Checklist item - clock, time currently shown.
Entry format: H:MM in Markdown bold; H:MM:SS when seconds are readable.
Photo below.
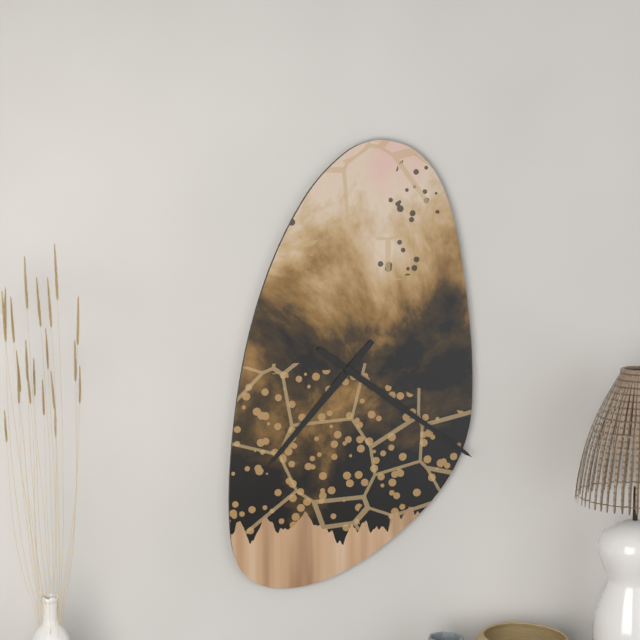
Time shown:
**7:21**
